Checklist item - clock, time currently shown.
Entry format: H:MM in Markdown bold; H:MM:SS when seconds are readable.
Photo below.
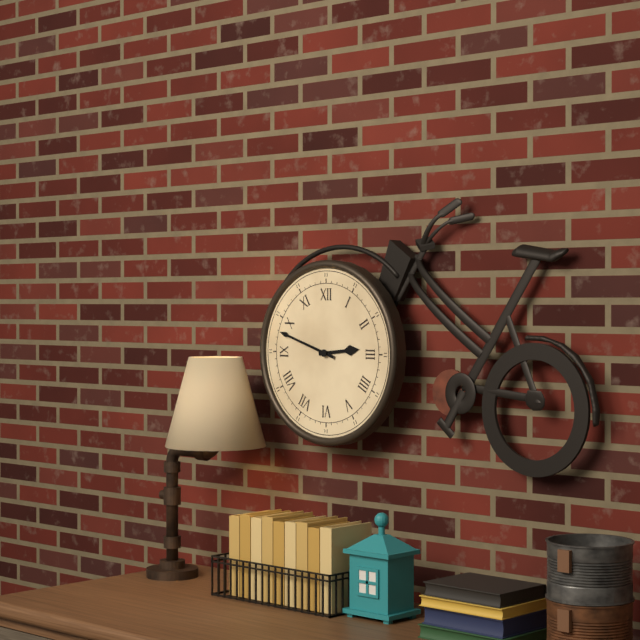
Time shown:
**2:48**
